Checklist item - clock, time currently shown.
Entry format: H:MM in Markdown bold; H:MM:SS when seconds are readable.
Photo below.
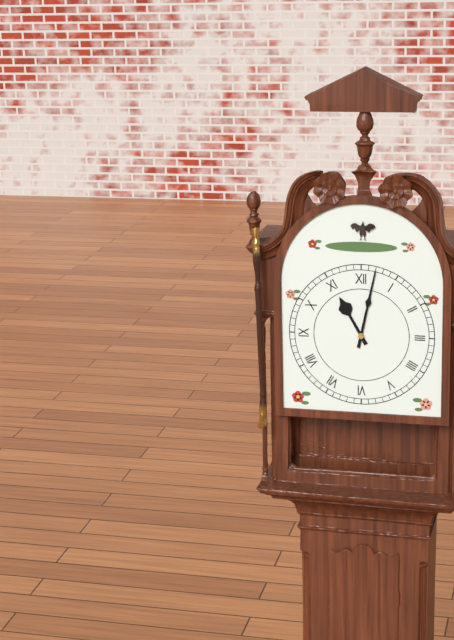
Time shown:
**11:02**
